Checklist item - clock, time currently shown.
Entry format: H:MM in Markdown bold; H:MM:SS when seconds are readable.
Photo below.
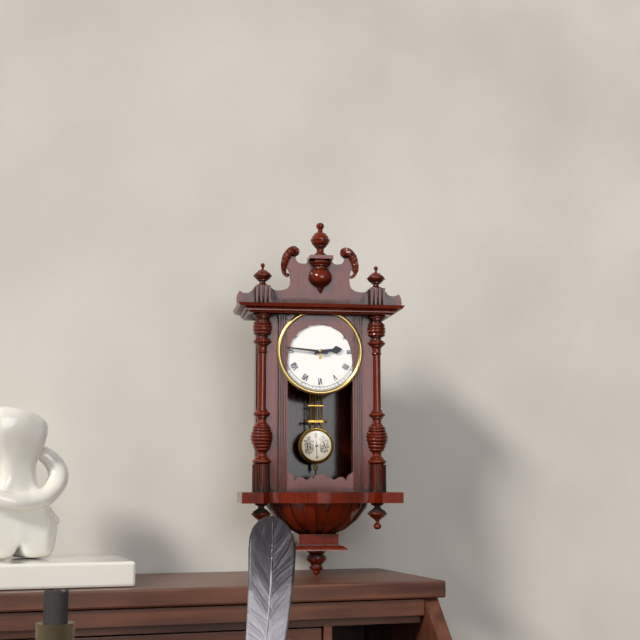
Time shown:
**2:46**
